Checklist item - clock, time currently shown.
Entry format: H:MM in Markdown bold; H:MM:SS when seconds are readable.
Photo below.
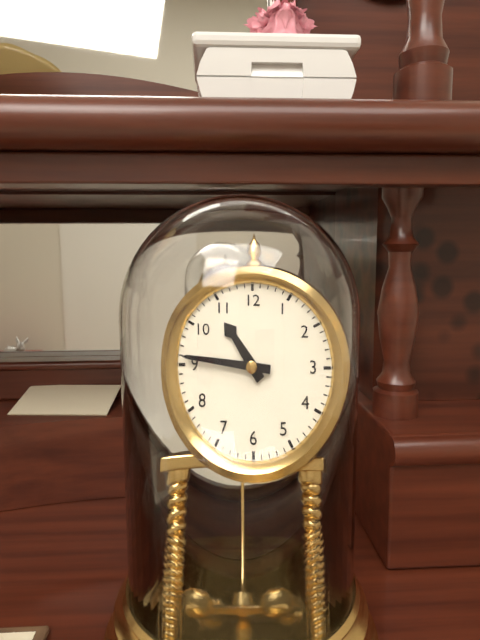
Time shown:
**10:46**
